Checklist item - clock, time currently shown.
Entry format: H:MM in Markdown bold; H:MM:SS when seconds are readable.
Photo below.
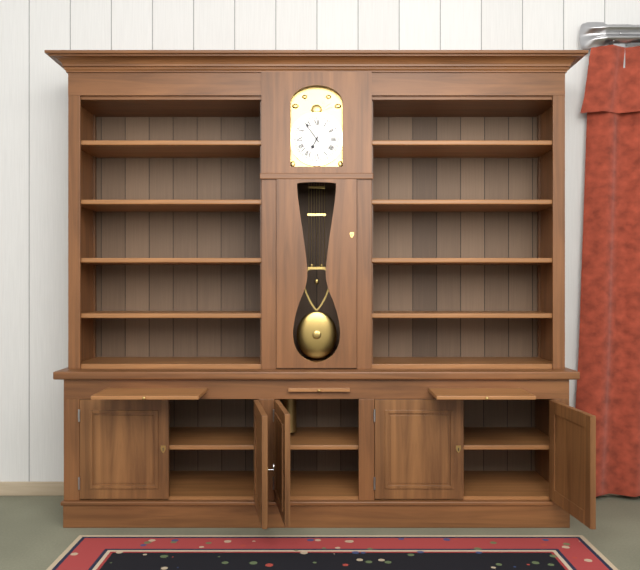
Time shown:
**6:54**
